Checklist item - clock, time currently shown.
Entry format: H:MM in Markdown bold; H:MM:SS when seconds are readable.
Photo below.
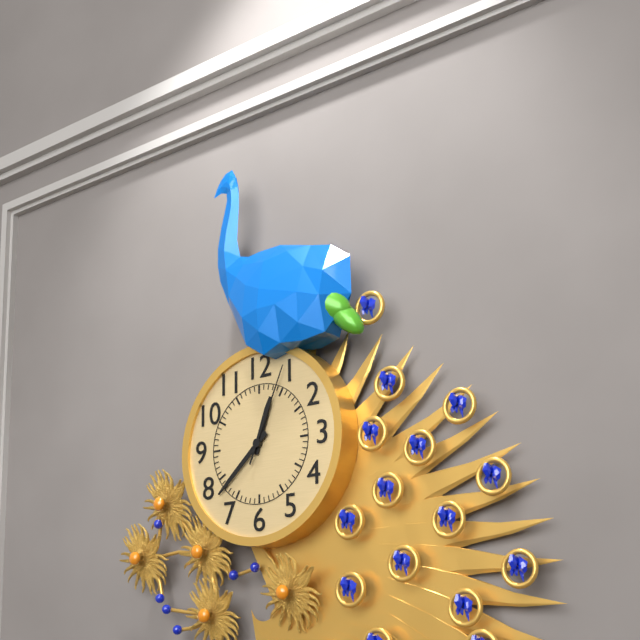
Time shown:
**12:38:04**
